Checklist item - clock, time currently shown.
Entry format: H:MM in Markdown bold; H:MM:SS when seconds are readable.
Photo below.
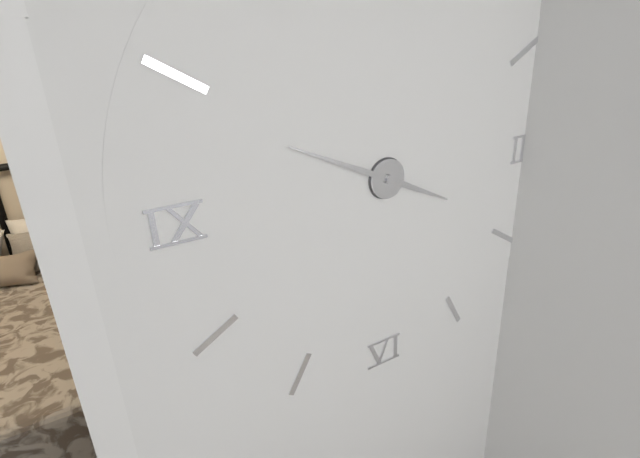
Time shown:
**3:49**
